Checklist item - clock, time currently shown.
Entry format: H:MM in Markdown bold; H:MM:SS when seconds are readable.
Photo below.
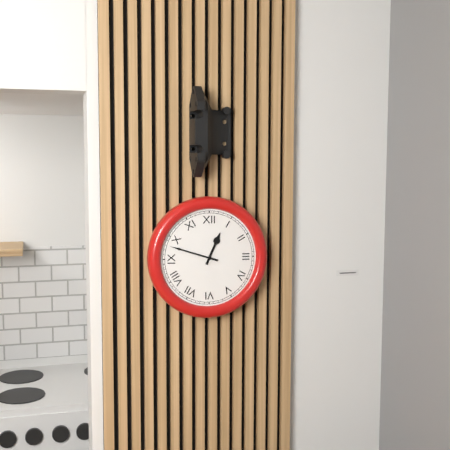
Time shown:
**12:48**
